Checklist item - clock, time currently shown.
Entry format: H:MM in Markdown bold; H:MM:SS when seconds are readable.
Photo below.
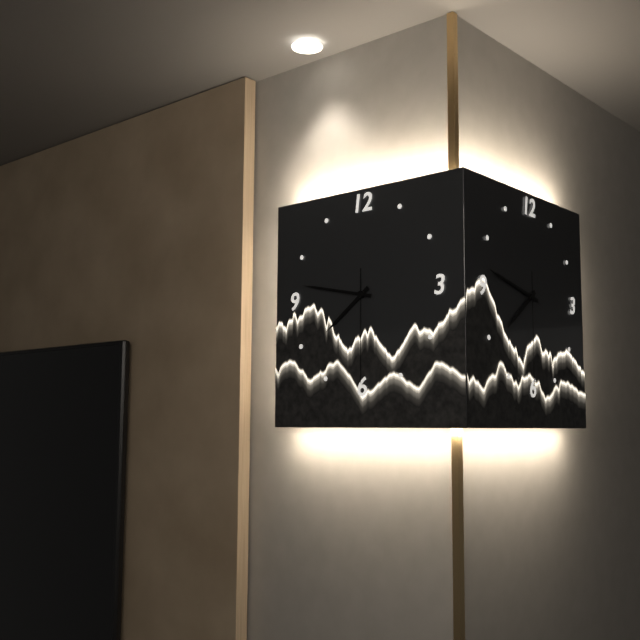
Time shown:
**7:47:30**
